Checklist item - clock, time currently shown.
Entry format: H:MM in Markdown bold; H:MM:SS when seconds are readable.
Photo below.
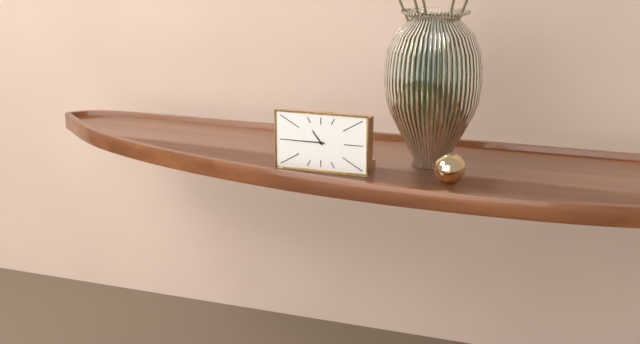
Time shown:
**10:45**
